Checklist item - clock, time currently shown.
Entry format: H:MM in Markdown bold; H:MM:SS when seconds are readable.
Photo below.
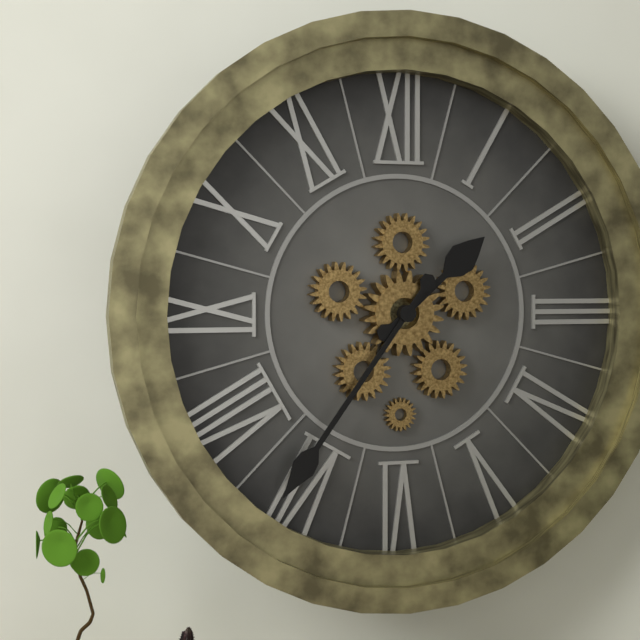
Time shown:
**1:36**
